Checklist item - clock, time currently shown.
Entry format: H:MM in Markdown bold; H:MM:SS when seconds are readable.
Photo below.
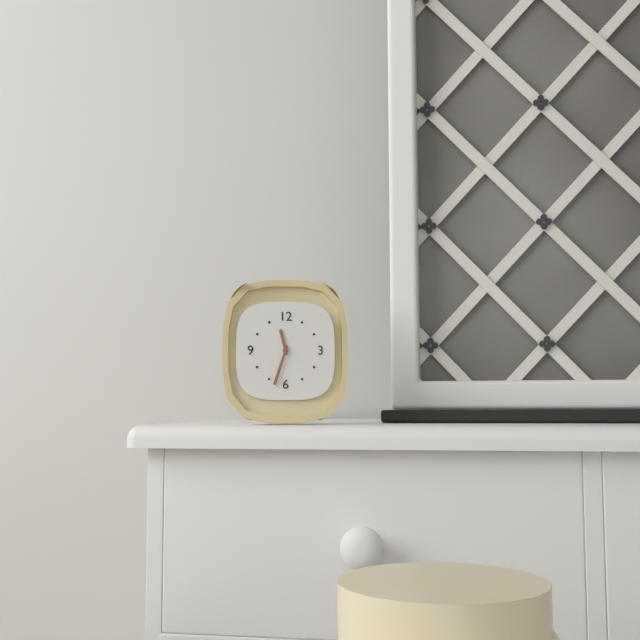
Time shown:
**11:33**
